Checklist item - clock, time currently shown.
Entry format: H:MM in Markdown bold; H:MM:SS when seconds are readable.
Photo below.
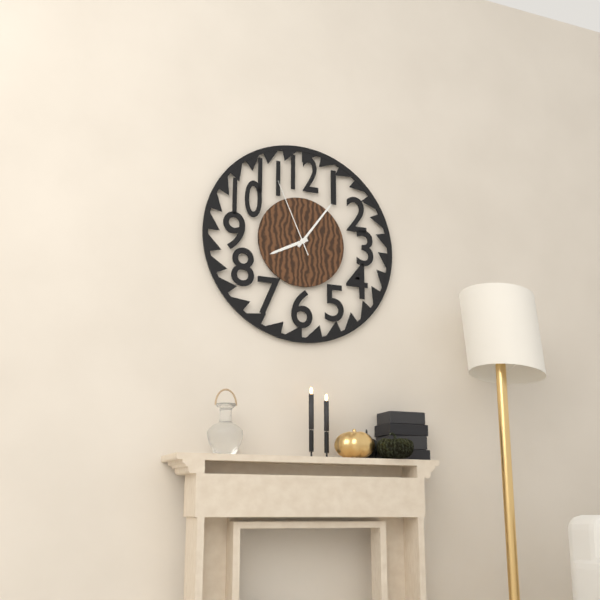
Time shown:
**8:06:56**
